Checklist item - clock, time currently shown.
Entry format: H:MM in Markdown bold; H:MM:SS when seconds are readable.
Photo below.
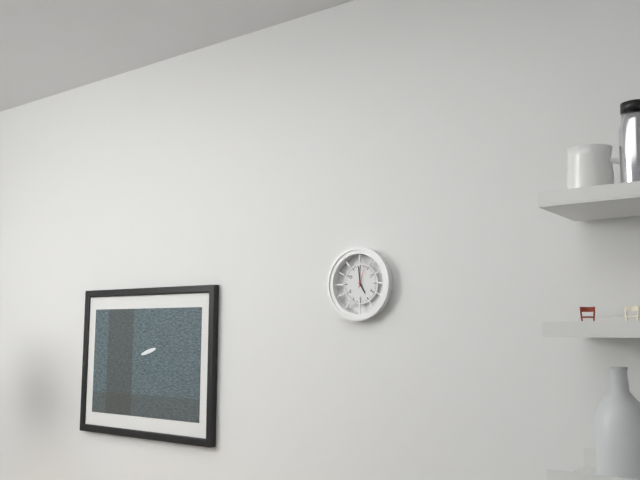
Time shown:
**4:59**
